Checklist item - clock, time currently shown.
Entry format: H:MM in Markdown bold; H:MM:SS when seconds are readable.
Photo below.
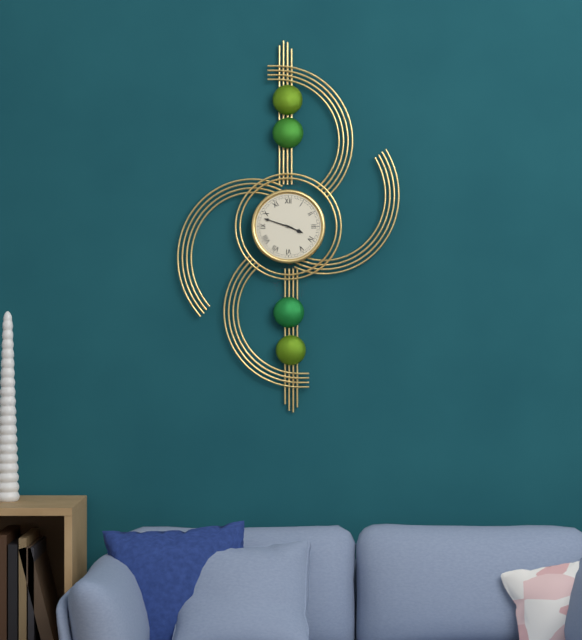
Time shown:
**3:48**
